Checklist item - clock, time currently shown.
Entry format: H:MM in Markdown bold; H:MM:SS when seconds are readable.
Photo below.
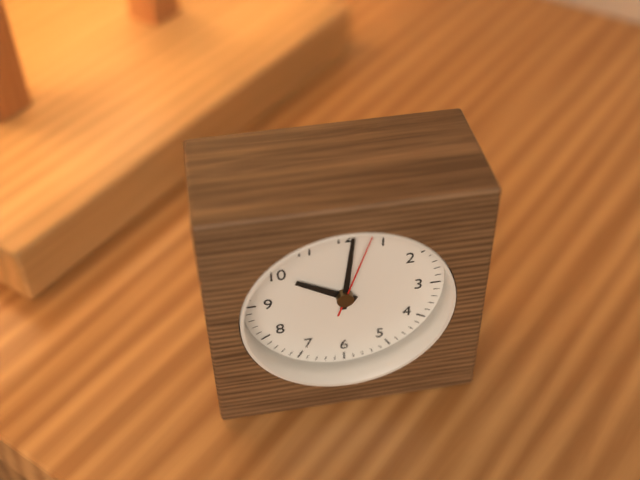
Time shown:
**10:01:03**
